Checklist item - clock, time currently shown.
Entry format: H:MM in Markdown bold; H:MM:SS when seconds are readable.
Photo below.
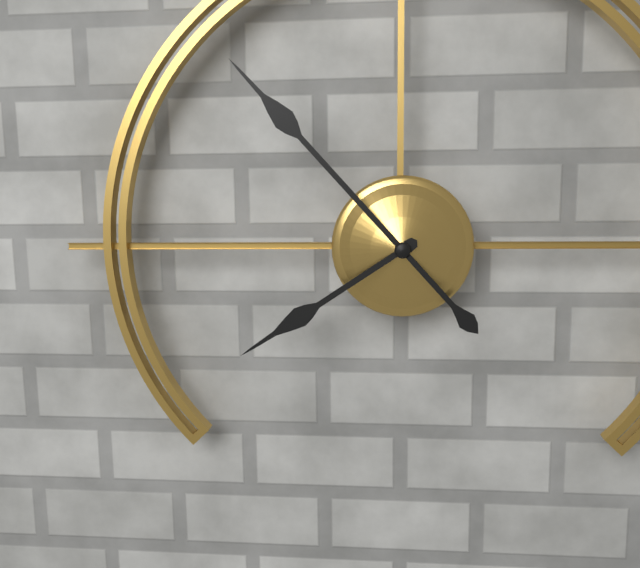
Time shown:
**7:53**
